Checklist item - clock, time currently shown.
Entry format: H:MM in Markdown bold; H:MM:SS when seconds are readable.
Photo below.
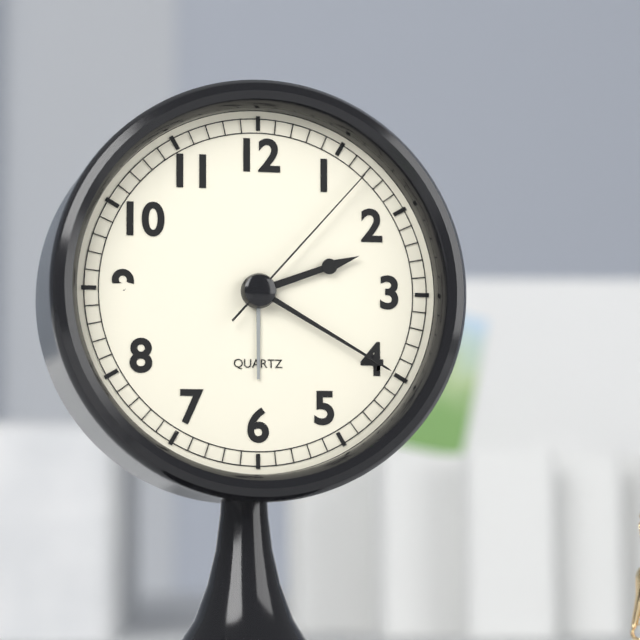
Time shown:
**2:20:07**
